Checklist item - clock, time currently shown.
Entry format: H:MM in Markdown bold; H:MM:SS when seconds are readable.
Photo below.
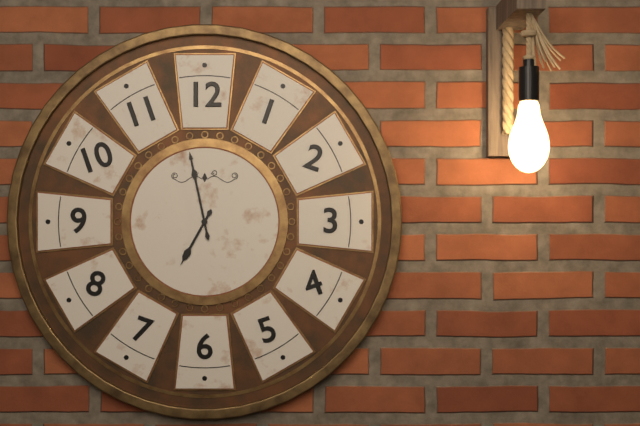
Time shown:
**6:58**
